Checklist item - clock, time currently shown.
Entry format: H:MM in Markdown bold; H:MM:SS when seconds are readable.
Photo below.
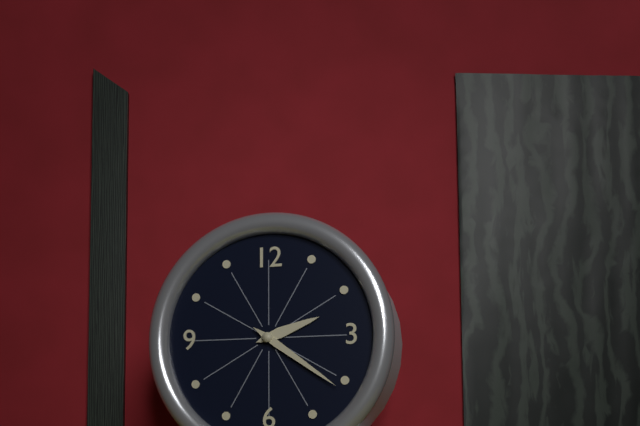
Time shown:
**2:21**
